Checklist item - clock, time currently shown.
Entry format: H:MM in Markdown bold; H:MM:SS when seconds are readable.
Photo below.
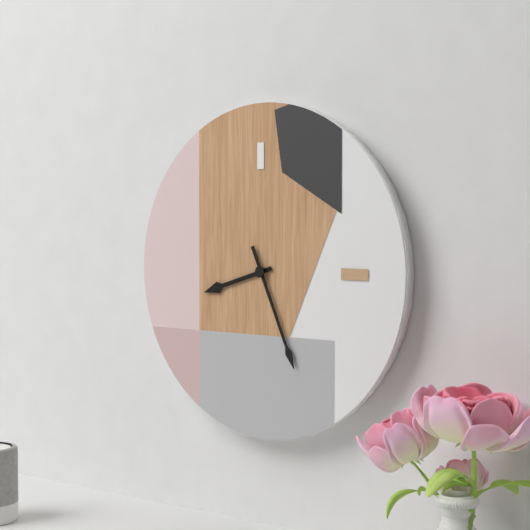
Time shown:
**8:26**
